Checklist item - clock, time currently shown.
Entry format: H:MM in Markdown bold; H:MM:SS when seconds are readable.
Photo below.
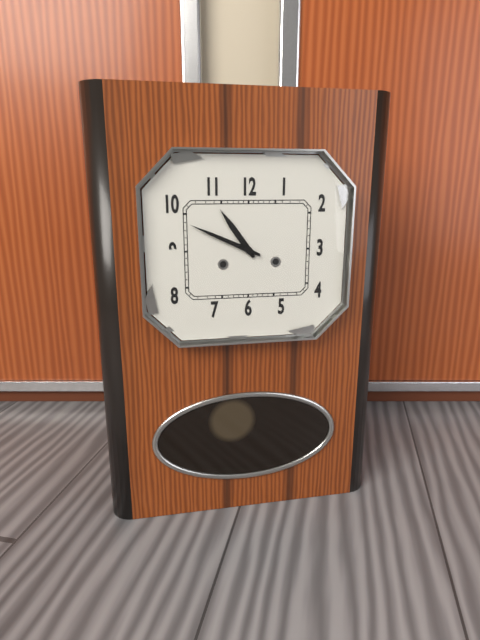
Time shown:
**10:49**
